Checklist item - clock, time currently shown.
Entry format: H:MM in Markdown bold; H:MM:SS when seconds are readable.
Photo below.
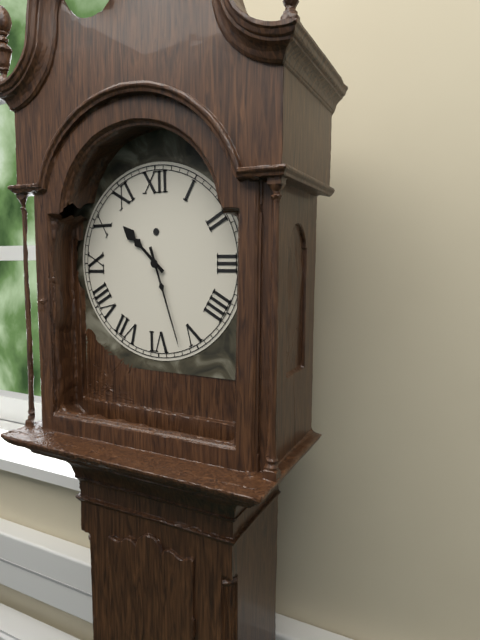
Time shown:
**10:27**
